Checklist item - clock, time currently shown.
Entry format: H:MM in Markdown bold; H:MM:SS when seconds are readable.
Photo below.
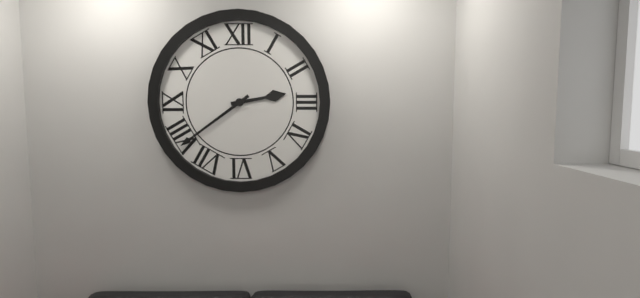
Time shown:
**2:39**
